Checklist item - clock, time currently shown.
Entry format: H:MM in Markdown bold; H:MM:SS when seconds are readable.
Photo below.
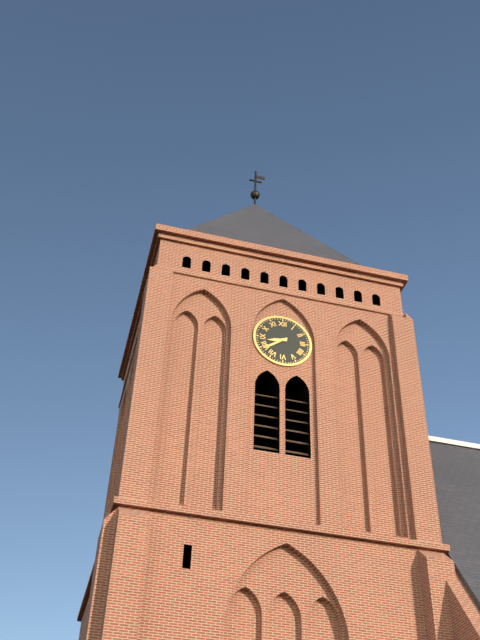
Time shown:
**8:39**
